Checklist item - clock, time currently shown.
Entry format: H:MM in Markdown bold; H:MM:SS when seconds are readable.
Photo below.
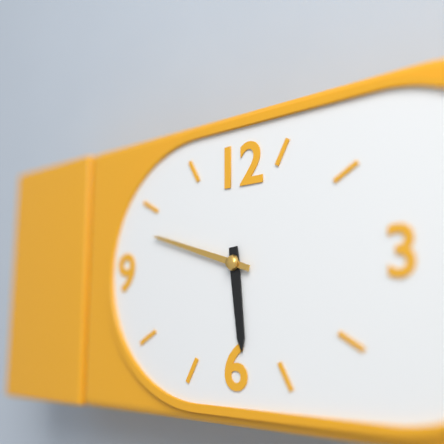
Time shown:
**5:48**
